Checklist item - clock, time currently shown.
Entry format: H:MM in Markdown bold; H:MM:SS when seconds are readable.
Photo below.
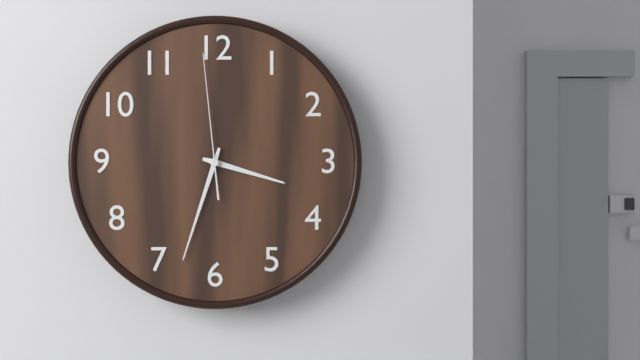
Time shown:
**3:33:59**
